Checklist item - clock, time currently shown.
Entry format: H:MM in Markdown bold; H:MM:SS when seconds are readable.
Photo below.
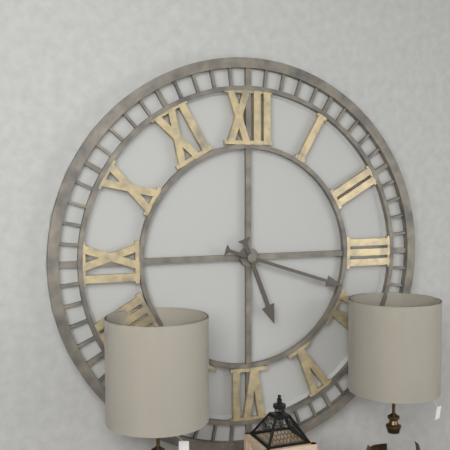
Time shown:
**5:18**
